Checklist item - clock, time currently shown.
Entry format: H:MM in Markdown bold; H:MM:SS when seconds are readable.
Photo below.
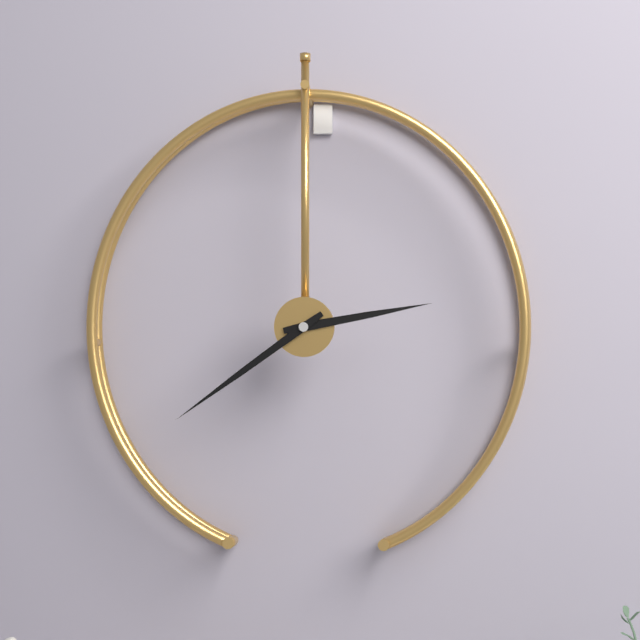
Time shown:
**2:39**
